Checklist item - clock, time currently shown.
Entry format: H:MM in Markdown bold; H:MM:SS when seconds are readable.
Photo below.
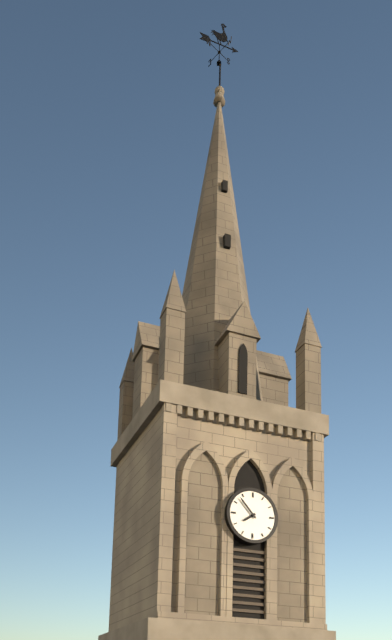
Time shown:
**7:53**
